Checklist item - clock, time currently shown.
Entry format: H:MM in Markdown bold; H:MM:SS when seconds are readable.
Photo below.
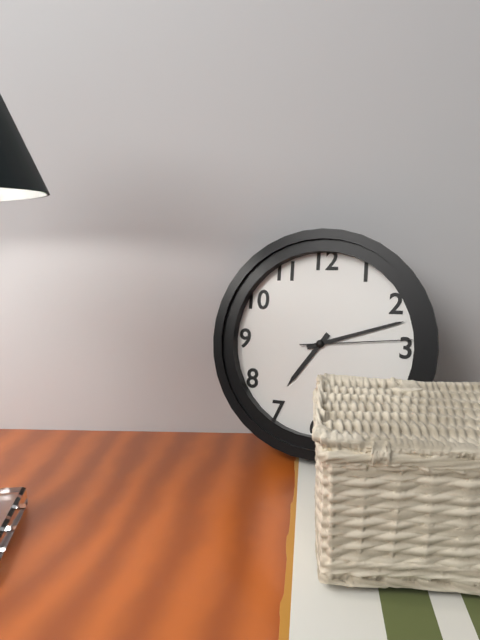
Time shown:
**7:12:14**
